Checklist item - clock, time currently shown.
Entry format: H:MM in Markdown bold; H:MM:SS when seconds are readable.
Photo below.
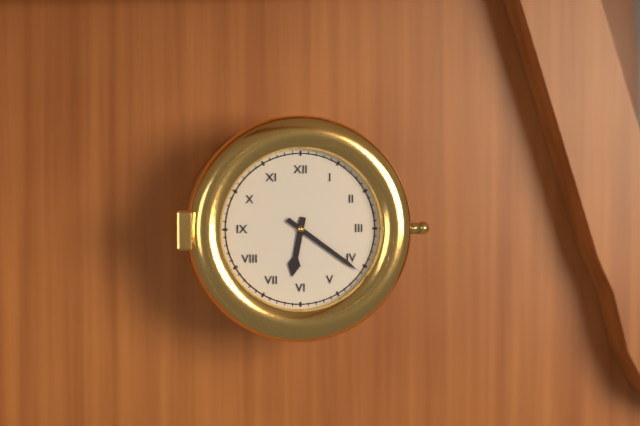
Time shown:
**6:21**
